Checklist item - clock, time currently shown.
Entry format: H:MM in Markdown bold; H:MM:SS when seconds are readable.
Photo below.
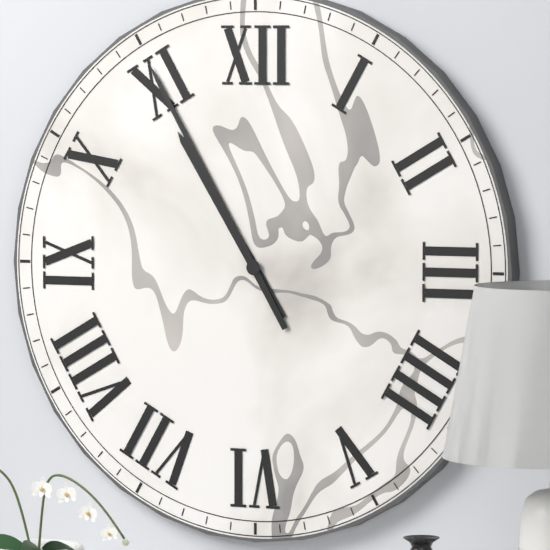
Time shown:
**10:55**
